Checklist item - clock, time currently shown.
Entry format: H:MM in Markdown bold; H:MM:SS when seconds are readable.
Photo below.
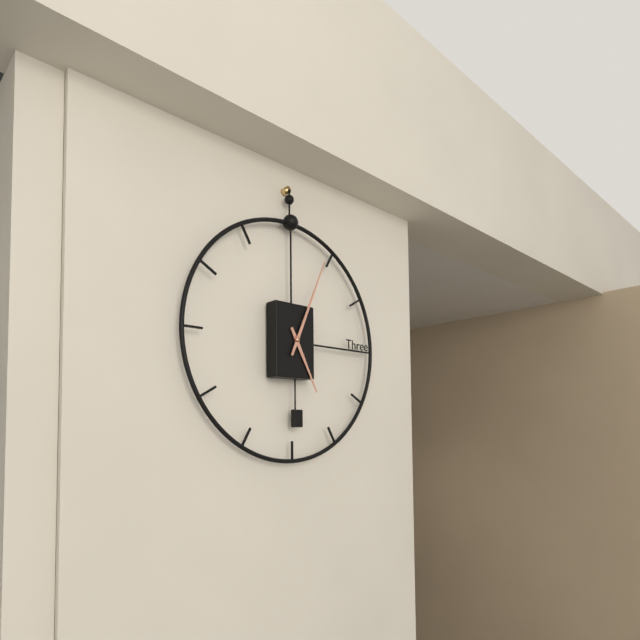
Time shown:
**5:04**
